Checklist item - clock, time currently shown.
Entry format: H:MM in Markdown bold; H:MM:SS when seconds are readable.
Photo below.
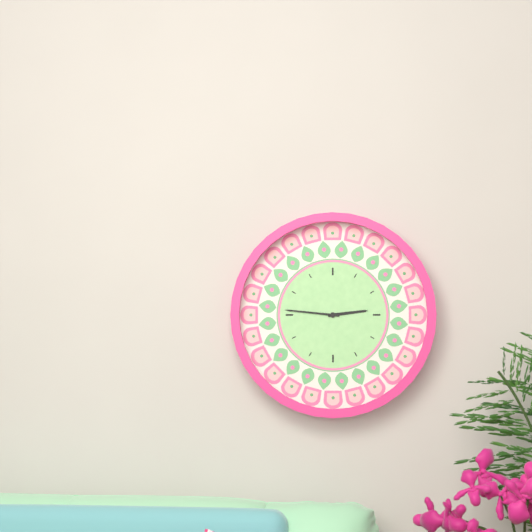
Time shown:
**2:46**
